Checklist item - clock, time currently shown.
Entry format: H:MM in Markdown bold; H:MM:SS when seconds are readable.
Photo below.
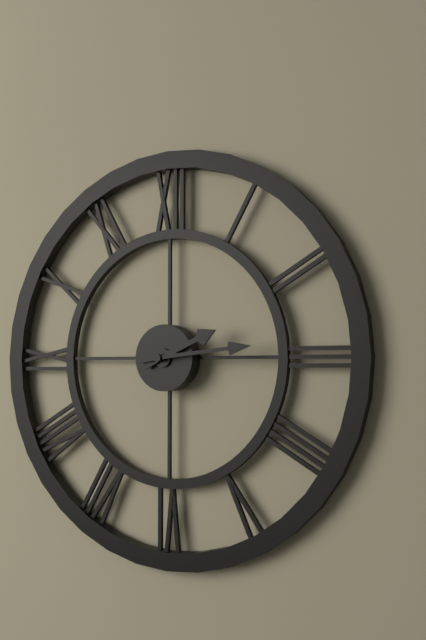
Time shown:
**2:14**
